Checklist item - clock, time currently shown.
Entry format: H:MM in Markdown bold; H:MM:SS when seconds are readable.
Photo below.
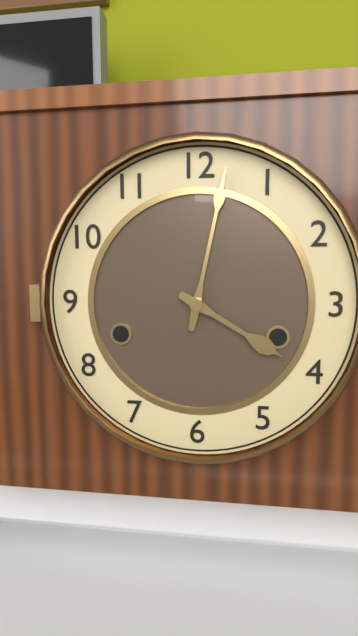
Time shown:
**4:02**
